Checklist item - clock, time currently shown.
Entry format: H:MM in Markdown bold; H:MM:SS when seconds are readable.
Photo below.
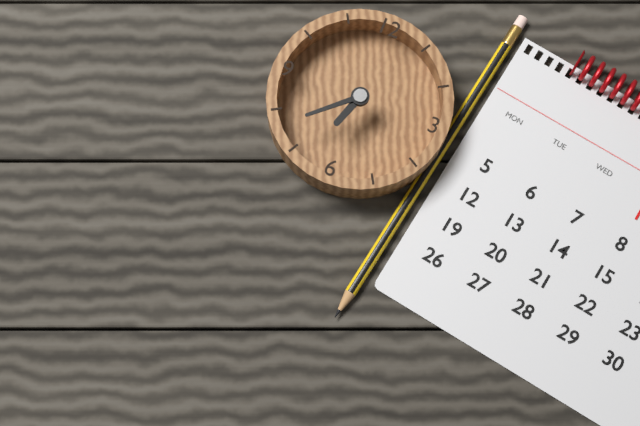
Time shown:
**6:38**
